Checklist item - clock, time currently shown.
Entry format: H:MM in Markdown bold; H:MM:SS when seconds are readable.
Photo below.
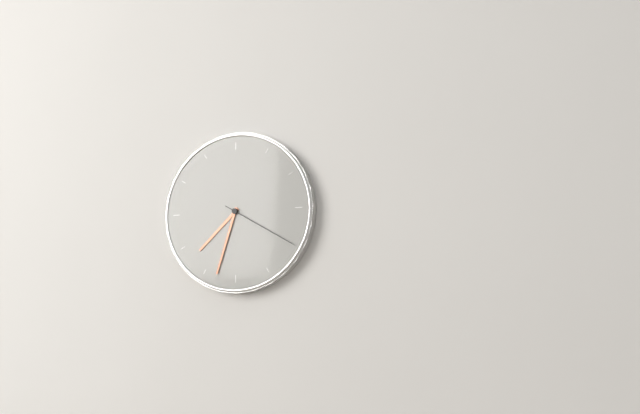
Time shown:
**7:33:20**
